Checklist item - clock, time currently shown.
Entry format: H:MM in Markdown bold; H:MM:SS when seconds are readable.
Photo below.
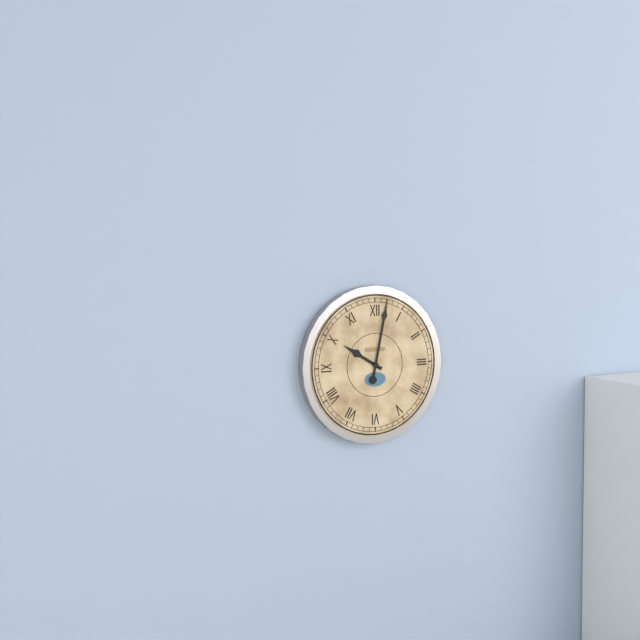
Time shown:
**10:02**
